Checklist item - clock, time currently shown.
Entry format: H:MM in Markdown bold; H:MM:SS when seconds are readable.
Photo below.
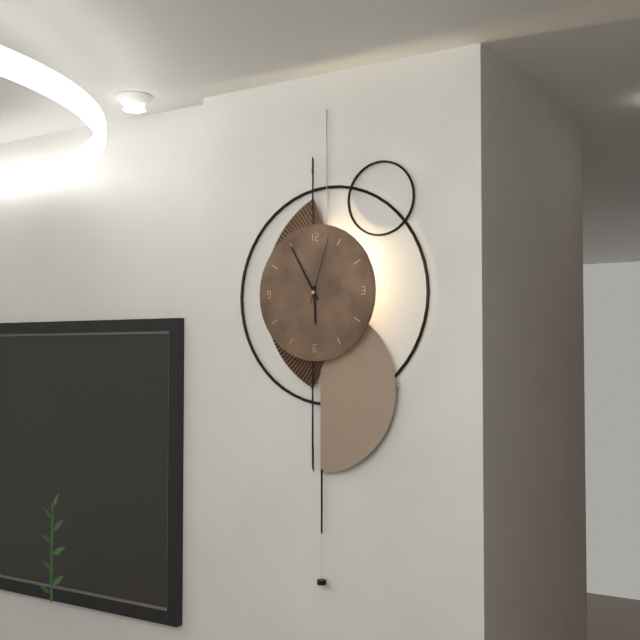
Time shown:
**5:55:03**
